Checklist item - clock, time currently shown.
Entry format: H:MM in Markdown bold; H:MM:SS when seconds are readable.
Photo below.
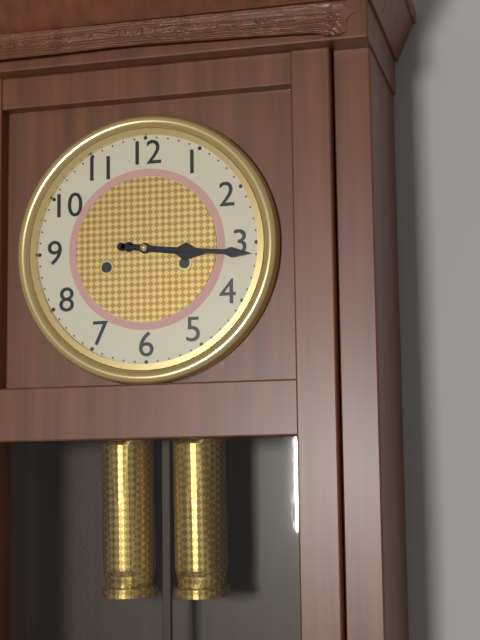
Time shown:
**3:16**
